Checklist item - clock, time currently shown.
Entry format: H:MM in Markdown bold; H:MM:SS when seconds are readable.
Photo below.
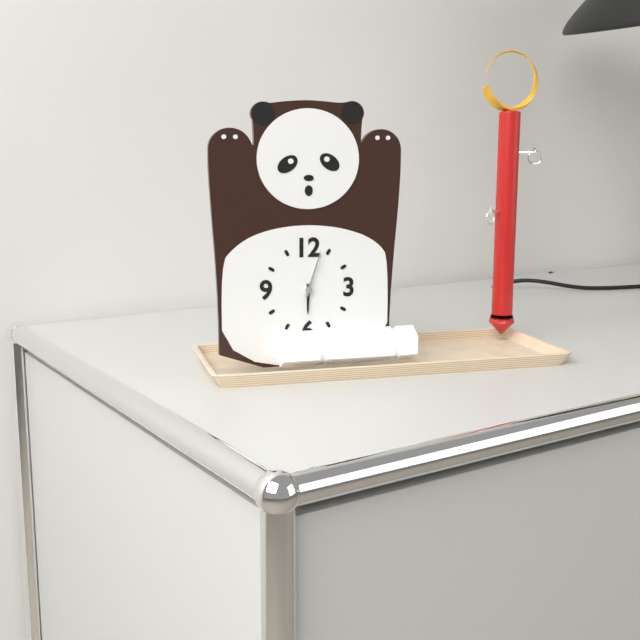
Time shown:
**6:03**
